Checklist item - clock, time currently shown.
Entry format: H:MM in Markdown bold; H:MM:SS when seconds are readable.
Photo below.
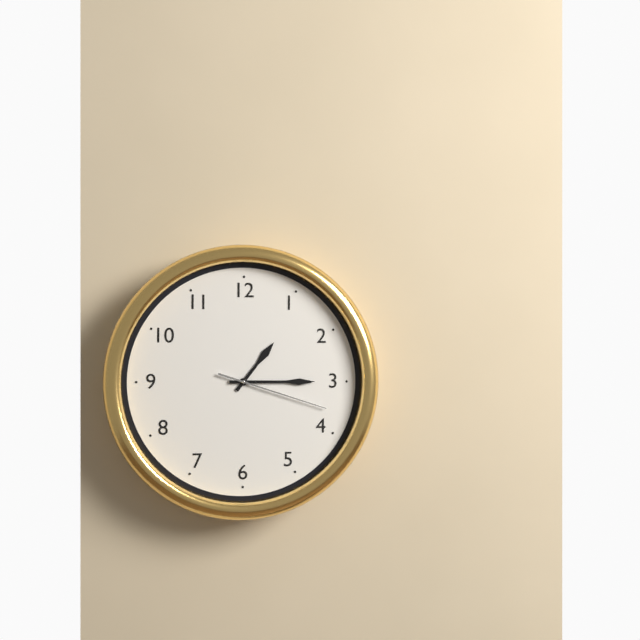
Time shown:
**1:15:18**
